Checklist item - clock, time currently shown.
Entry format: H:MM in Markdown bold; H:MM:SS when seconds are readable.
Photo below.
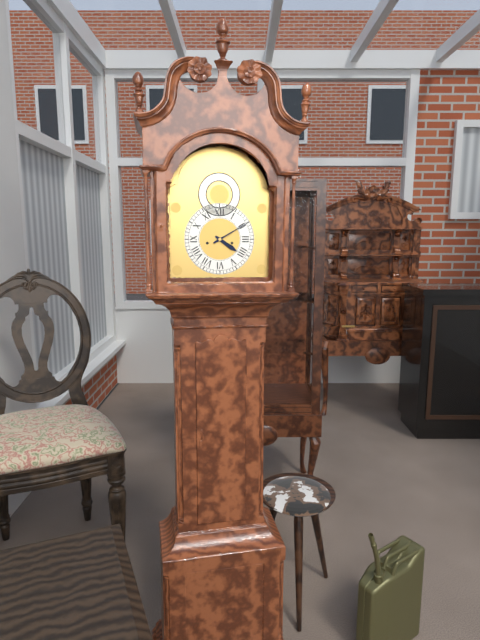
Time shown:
**4:10**
